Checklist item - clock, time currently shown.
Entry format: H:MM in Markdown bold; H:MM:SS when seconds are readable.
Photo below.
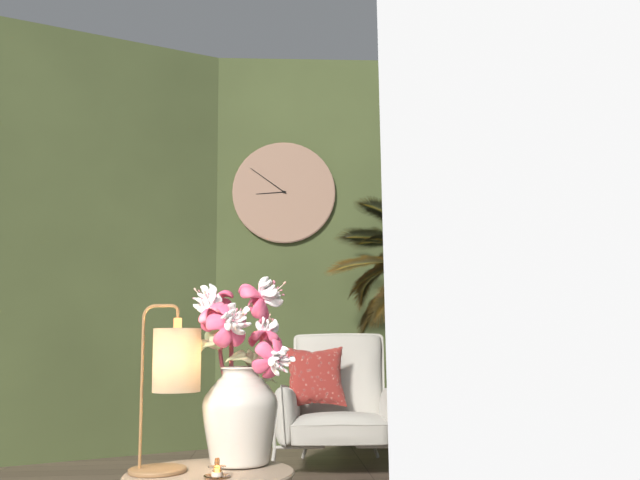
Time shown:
**8:51**
